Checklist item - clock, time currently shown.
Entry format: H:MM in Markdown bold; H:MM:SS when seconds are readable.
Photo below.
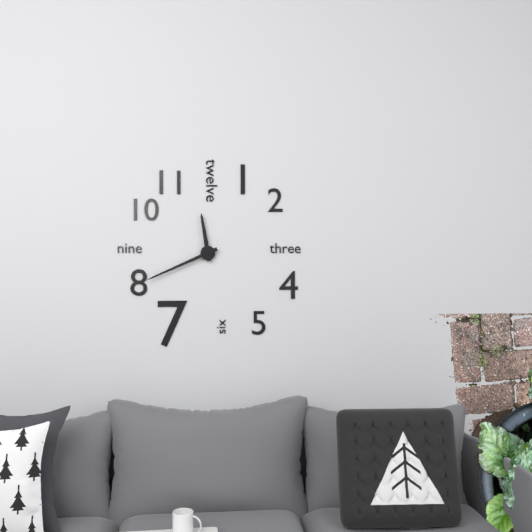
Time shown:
**11:41**
